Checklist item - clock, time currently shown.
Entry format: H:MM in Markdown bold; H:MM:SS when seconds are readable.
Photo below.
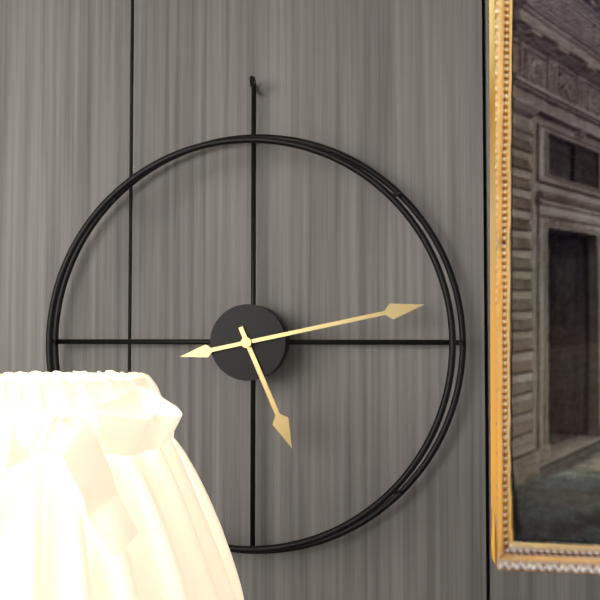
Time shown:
**5:13**
